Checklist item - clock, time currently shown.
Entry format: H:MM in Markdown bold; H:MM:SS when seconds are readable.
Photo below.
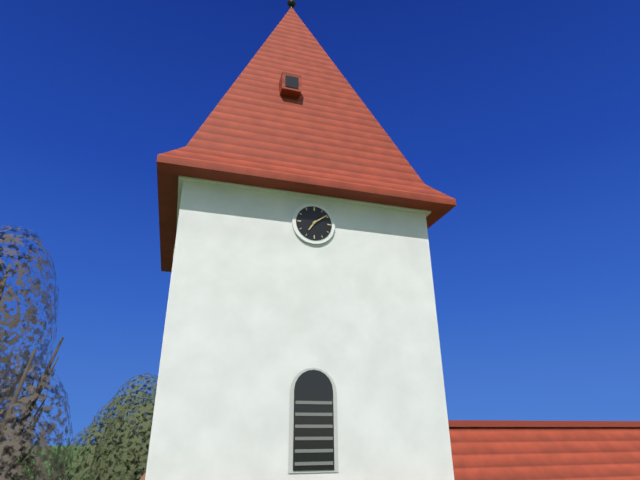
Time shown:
**7:09**
